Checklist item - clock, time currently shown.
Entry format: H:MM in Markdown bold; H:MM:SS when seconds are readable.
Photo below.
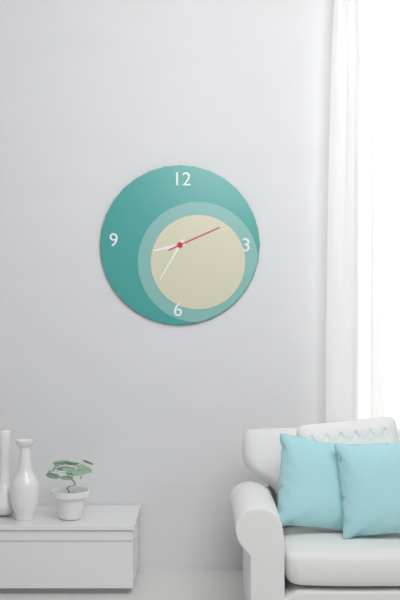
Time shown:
**8:35:11**
